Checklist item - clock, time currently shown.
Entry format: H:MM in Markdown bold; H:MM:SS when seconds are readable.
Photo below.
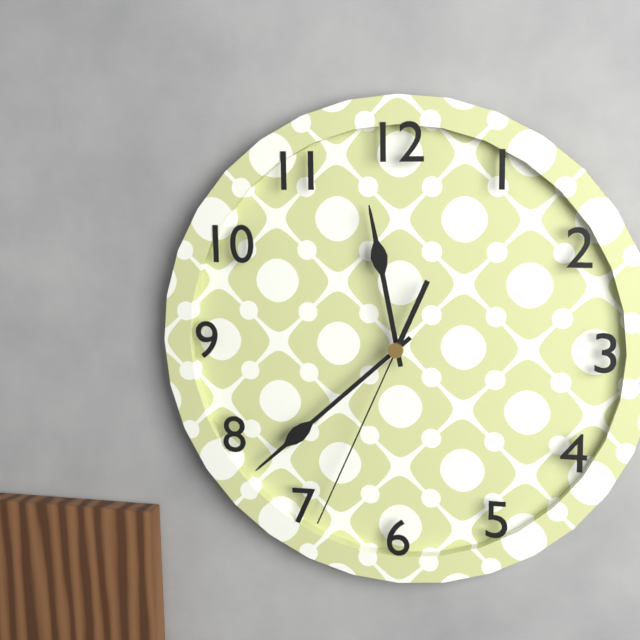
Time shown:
**11:38:34**
